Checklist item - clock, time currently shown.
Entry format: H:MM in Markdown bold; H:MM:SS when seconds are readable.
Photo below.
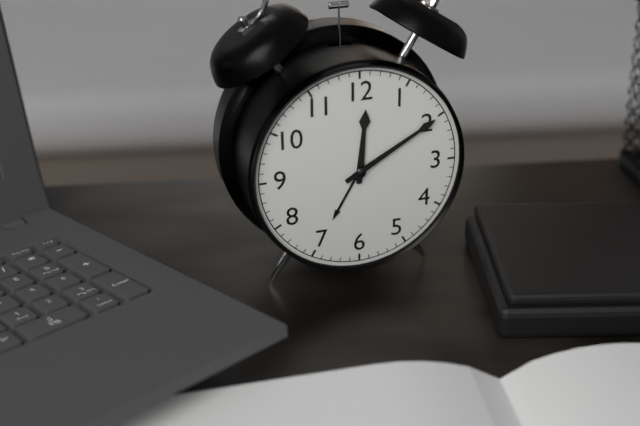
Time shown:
**12:10**
